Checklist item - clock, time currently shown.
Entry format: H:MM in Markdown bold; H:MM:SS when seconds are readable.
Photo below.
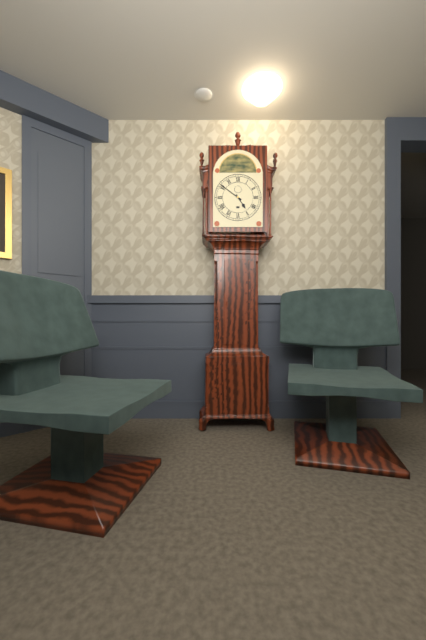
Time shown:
**4:51**
